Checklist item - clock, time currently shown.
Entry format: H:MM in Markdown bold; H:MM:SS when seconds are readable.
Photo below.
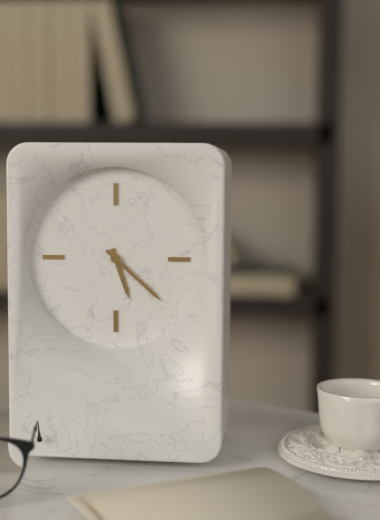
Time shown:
**5:22**
